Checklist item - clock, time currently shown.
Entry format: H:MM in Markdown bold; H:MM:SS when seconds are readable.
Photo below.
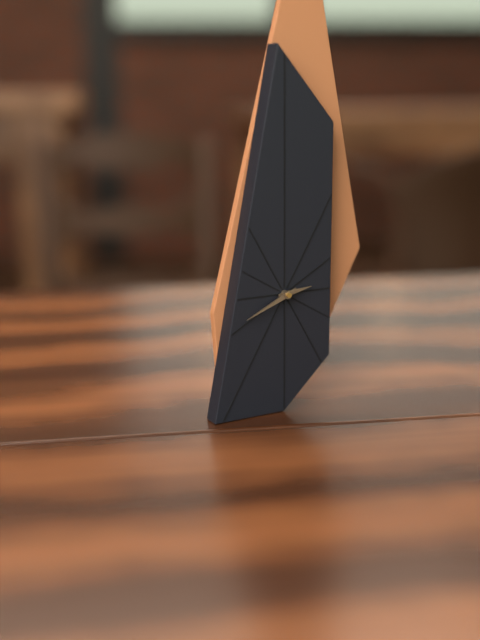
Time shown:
**2:41**
